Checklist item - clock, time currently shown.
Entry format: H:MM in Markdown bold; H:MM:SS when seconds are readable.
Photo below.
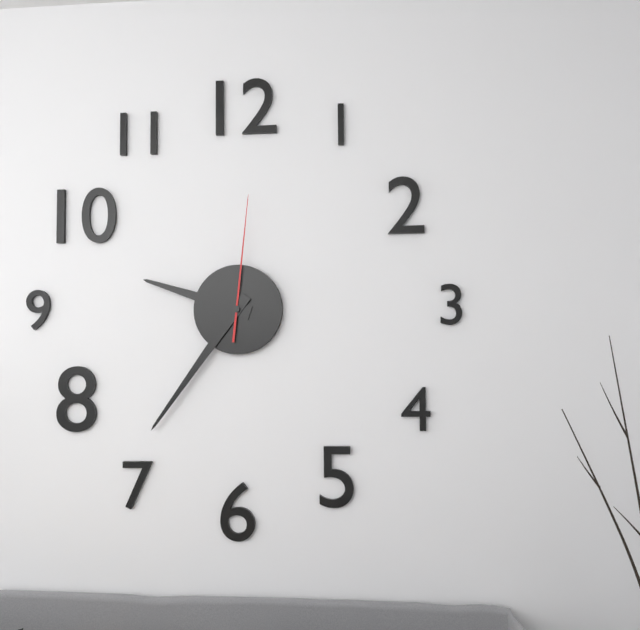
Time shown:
**9:36:01**
